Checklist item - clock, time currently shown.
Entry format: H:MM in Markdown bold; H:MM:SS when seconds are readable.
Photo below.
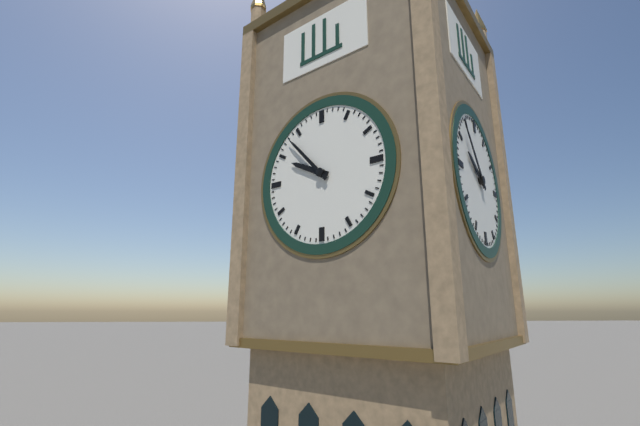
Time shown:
**9:53**
